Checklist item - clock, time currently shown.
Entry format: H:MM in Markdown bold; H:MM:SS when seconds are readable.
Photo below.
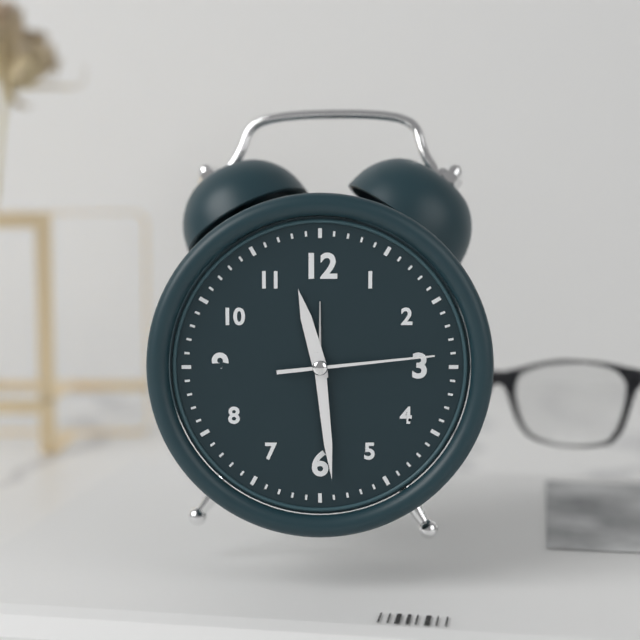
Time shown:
**11:29:14**
